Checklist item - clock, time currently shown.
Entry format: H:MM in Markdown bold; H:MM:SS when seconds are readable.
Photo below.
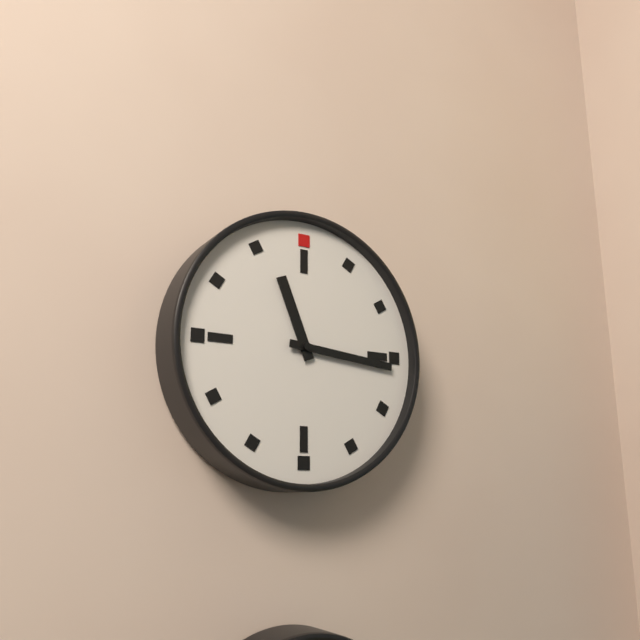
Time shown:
**11:16**
